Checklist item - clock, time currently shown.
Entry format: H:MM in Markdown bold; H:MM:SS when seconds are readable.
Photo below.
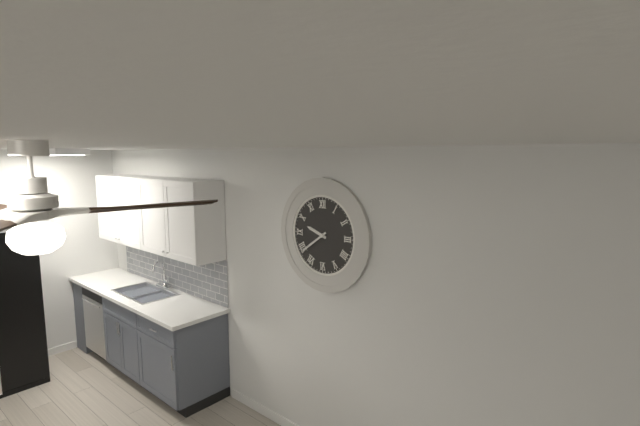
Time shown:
**9:39**
